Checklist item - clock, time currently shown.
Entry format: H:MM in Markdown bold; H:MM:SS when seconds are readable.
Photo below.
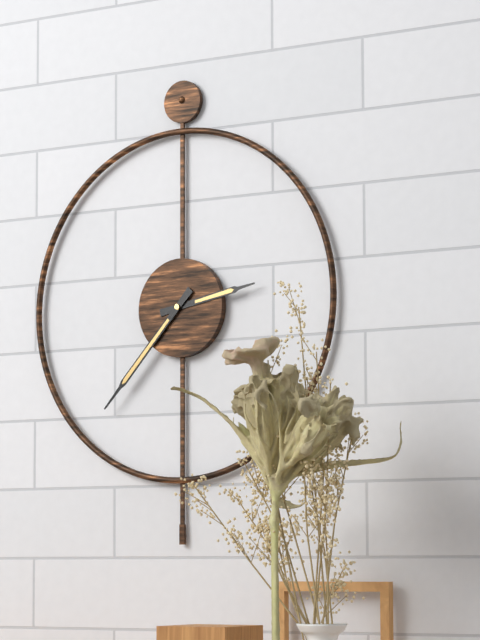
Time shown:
**2:37**
